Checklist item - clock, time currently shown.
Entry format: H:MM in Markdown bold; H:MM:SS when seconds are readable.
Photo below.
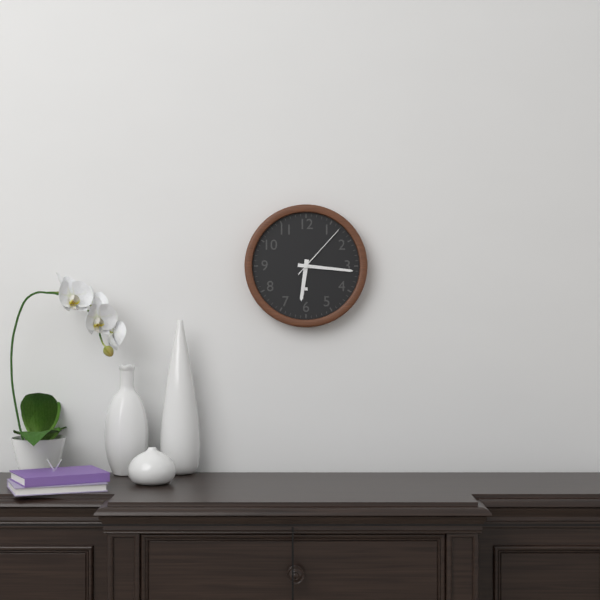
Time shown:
**6:16:07**
